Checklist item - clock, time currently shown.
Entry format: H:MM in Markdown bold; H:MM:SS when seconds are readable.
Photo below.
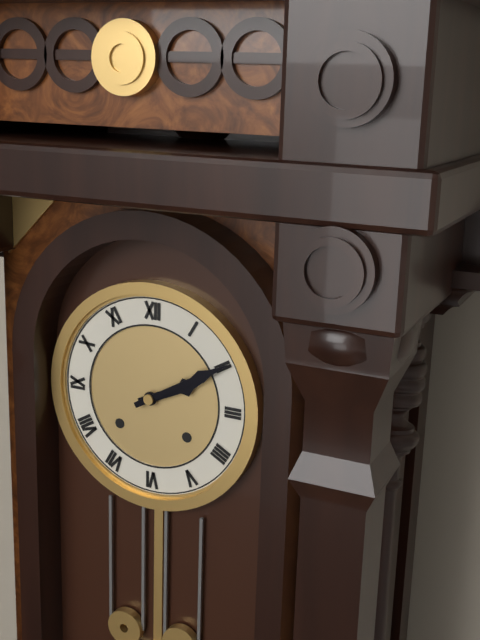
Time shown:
**2:10**
